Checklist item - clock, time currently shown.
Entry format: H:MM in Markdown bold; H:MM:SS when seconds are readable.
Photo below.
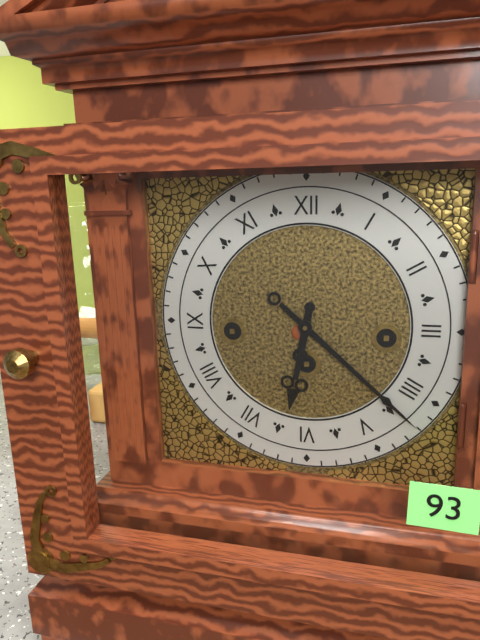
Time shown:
**6:22**
